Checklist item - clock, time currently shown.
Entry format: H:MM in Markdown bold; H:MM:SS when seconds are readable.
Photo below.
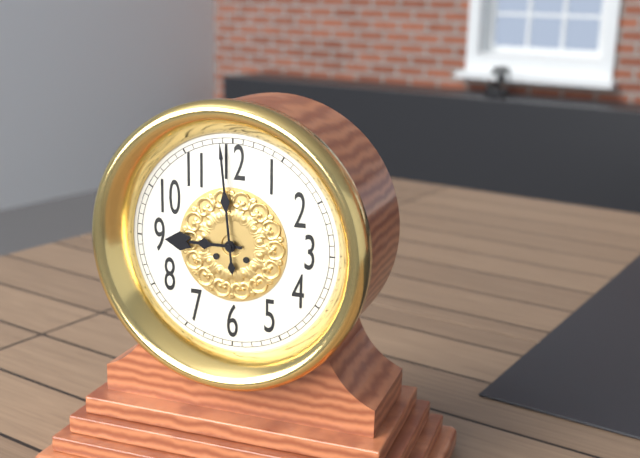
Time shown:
**8:59**
